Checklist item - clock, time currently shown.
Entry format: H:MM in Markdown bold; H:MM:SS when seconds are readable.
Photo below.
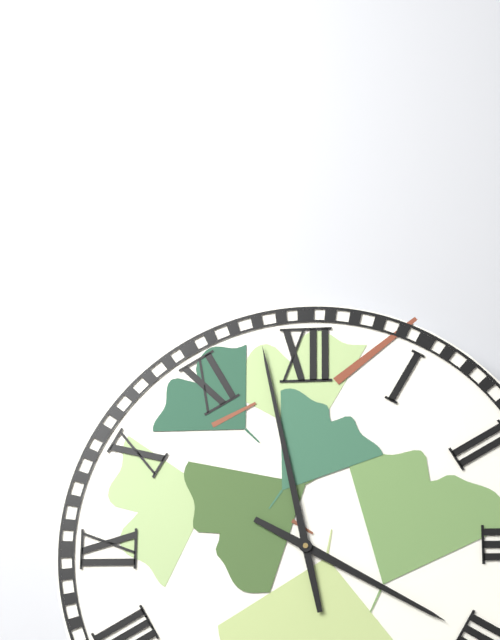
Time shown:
**3:58**
